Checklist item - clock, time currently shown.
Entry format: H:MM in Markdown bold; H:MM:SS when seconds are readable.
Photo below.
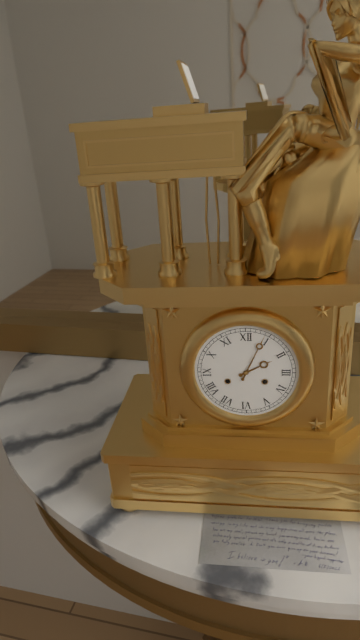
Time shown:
**2:04**
